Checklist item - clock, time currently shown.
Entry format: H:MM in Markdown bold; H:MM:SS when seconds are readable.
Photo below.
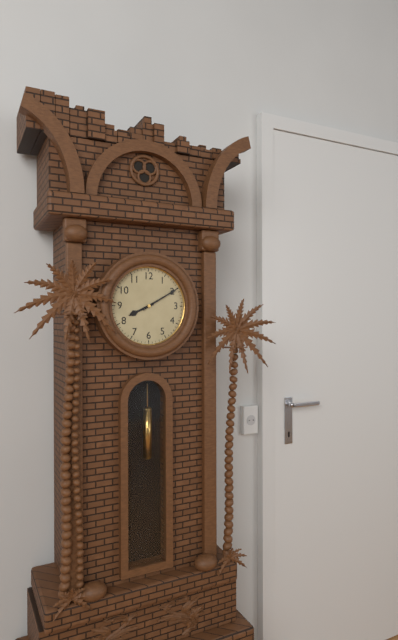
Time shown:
**8:10**
